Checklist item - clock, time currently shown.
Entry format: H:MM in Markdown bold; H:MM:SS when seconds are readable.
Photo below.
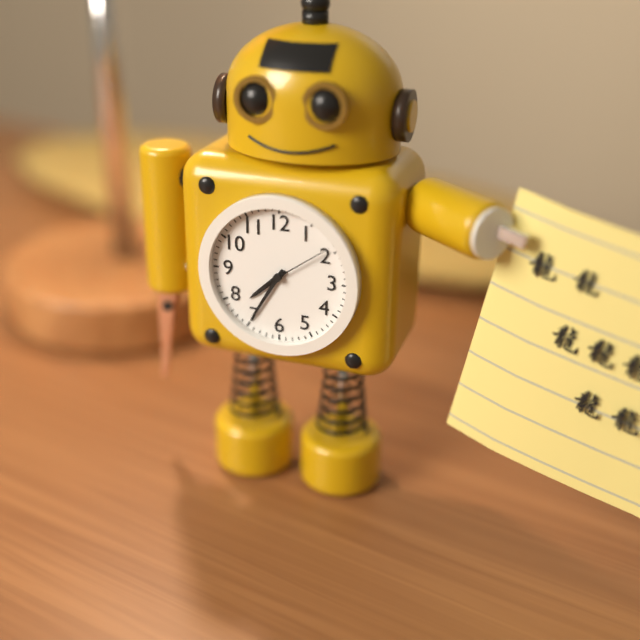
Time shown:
**7:35:09**
